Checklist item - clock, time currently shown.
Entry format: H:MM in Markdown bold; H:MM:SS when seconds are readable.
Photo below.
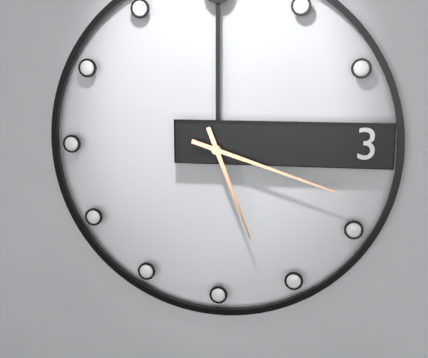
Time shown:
**5:18**
